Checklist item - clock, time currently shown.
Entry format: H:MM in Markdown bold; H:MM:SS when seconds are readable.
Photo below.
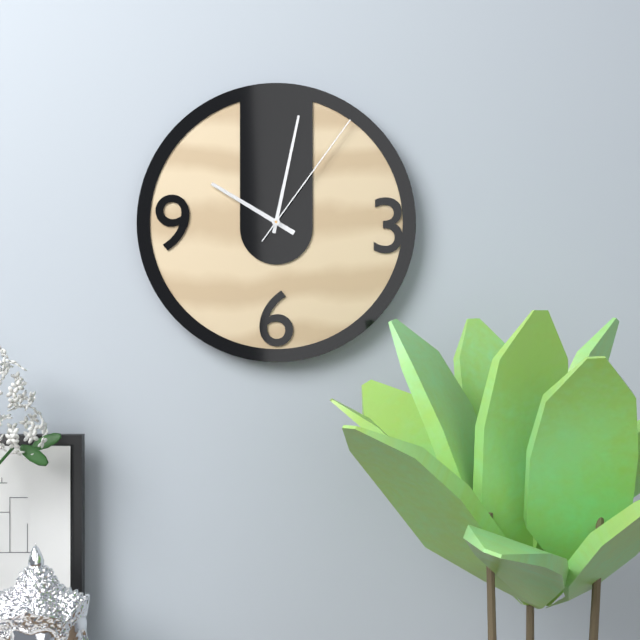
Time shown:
**10:02:06**
